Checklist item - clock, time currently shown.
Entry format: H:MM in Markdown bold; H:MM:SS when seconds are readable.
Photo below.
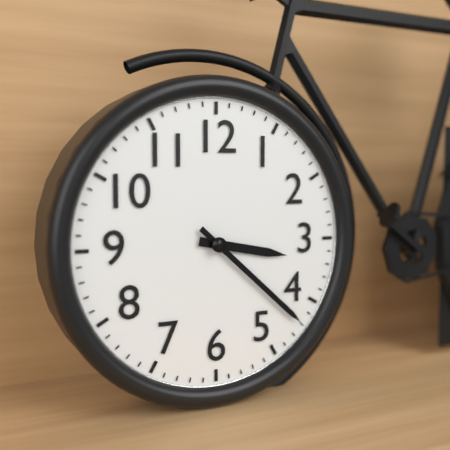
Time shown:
**3:22**
